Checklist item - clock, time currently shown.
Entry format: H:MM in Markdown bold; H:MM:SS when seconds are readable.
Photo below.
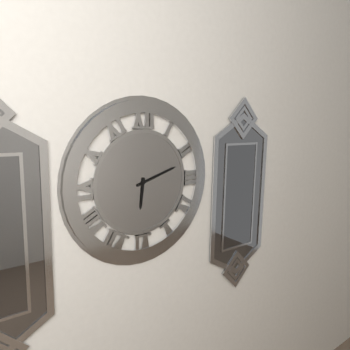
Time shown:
**6:12**
